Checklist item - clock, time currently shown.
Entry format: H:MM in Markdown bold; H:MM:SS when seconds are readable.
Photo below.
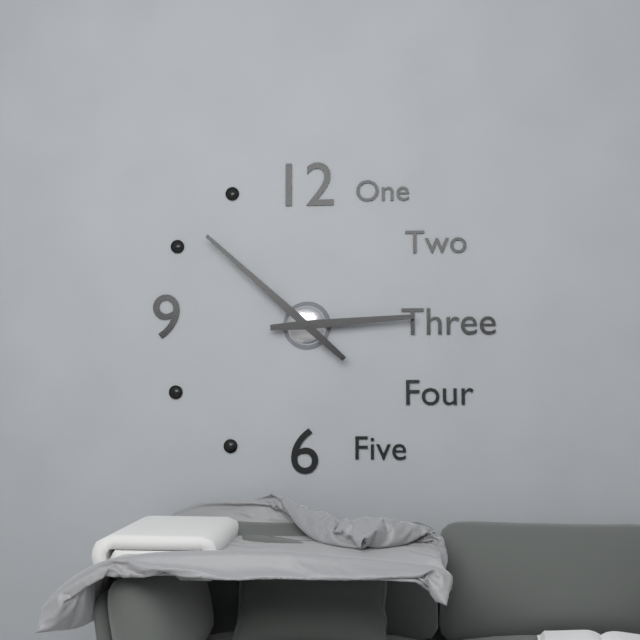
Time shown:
**2:52**
